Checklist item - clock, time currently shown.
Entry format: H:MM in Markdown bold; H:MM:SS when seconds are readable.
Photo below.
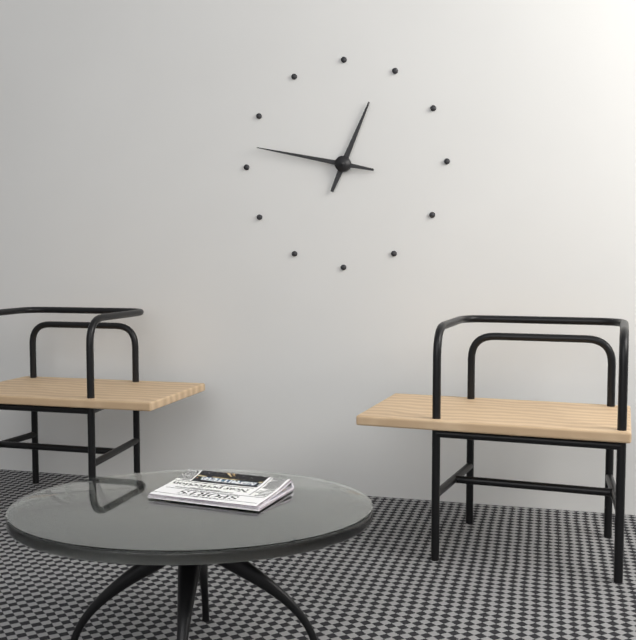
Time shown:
**12:47**
